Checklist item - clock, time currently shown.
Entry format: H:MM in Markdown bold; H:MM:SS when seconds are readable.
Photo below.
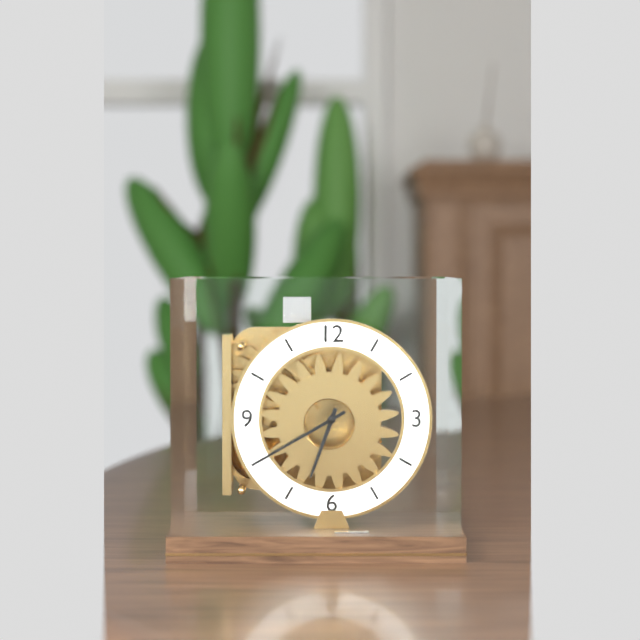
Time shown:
**6:40**
